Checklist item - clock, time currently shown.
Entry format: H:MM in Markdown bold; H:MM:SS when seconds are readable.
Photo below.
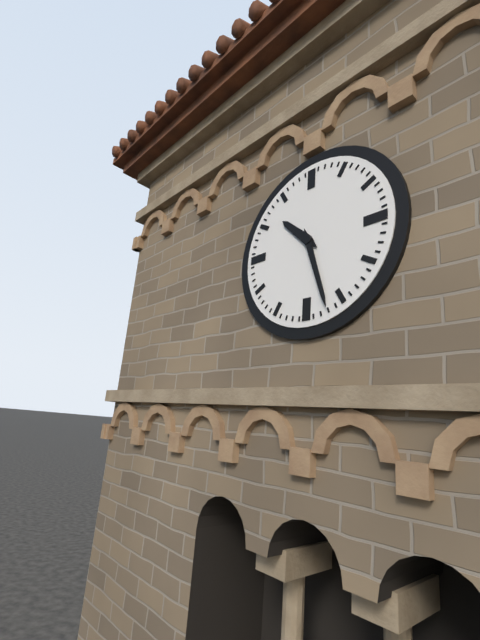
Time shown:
**10:27**
